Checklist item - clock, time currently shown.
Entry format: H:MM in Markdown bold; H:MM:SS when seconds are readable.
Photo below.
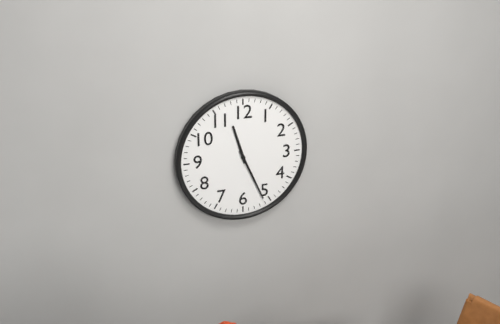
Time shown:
**11:26**
